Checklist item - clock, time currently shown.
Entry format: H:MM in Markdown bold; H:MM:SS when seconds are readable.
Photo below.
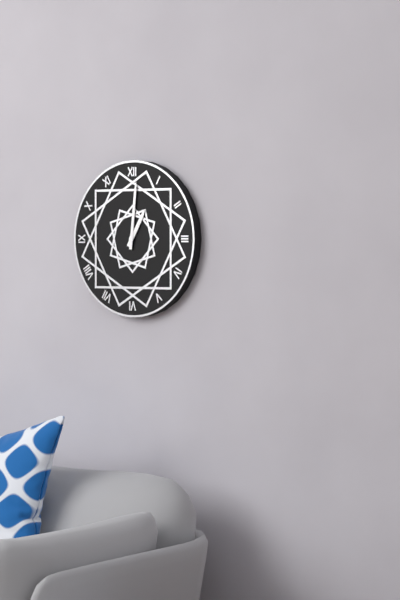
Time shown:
**1:01**
